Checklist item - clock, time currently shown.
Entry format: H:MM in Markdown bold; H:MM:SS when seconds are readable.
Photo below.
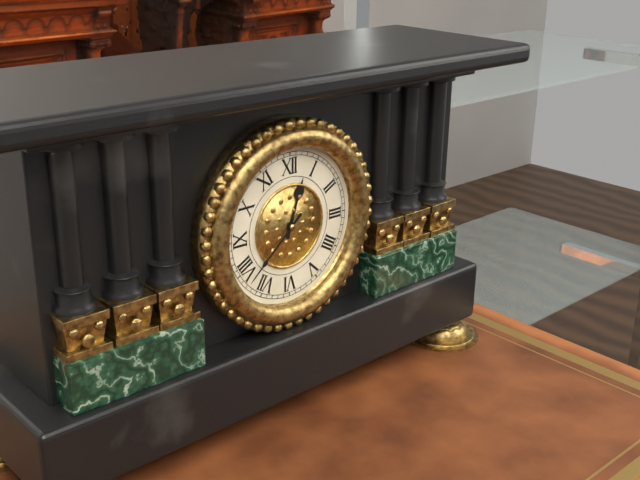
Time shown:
**12:38**
